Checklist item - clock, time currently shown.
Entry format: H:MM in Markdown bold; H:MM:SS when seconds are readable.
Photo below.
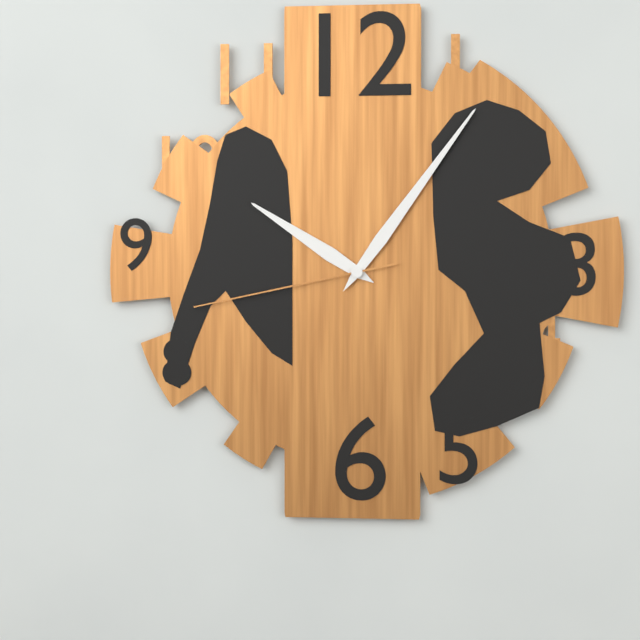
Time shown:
**10:06:43**
